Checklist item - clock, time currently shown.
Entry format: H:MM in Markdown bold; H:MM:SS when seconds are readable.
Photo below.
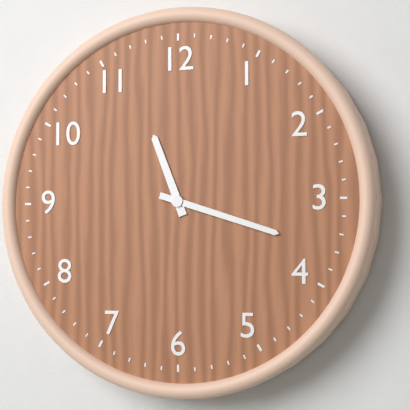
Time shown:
**11:18**
